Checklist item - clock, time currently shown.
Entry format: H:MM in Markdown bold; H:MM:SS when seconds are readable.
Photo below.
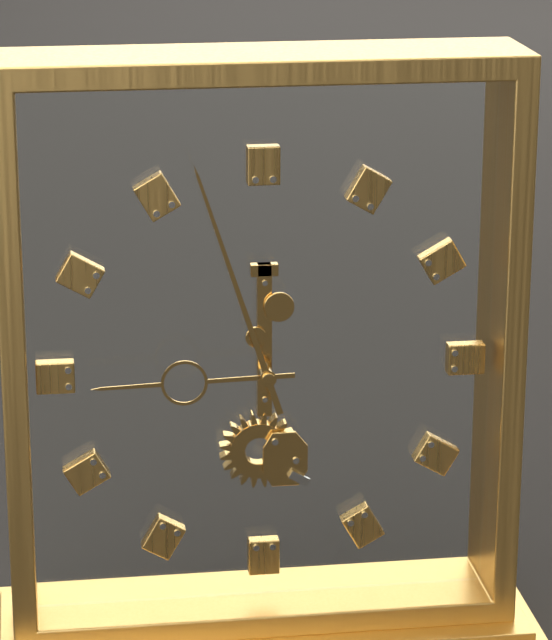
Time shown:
**8:57**
